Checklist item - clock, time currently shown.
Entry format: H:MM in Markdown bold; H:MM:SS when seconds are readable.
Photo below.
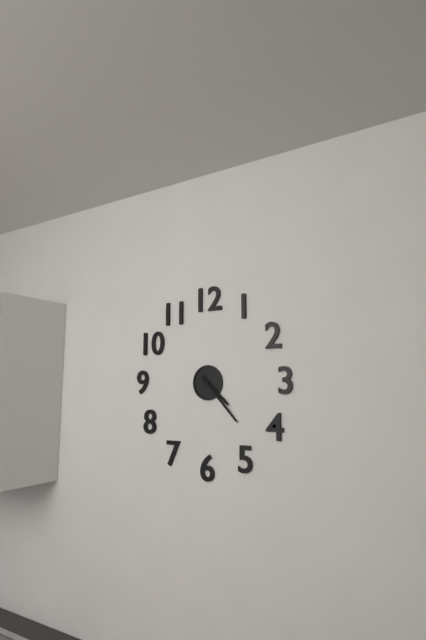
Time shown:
**4:23**
